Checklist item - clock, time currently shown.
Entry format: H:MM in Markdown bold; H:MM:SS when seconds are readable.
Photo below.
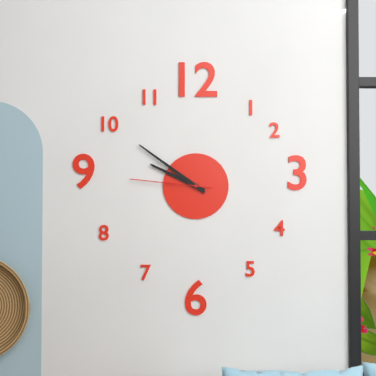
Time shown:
**9:51:46**
